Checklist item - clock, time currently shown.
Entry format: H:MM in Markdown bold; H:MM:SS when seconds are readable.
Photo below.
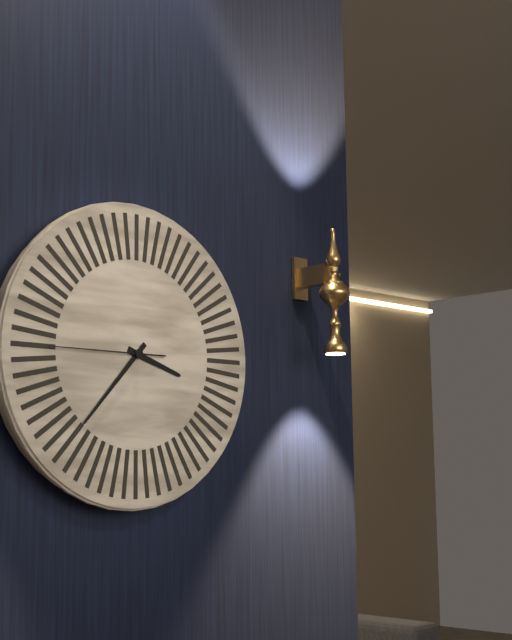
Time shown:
**3:37:45**
